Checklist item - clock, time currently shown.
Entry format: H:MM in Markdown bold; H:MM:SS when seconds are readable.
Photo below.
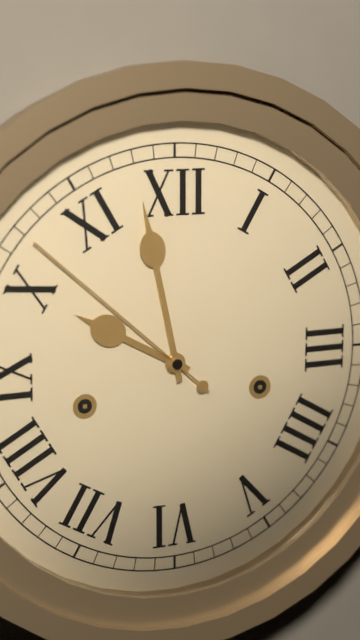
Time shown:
**9:58:52**
